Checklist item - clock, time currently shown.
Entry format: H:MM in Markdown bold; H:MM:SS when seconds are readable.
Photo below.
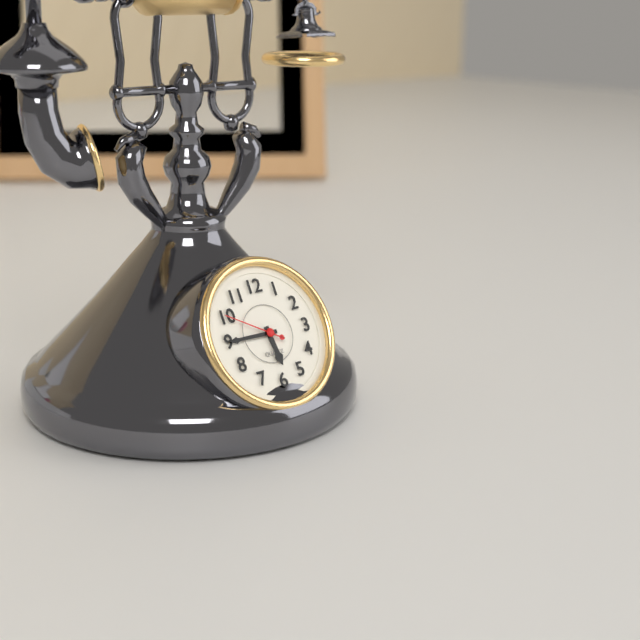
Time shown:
**5:45:50**
